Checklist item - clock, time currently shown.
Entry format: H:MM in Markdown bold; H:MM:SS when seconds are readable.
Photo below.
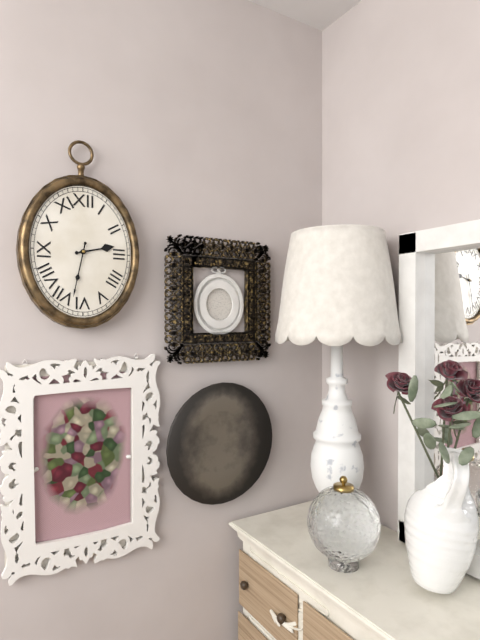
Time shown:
**2:32**
